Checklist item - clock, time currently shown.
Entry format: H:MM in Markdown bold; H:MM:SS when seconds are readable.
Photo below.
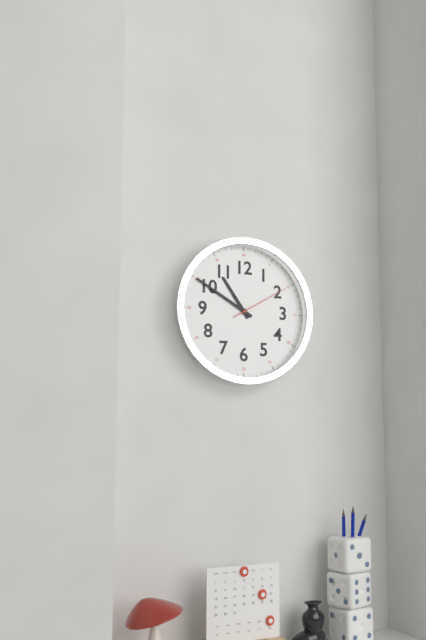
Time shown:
**10:50:10**
